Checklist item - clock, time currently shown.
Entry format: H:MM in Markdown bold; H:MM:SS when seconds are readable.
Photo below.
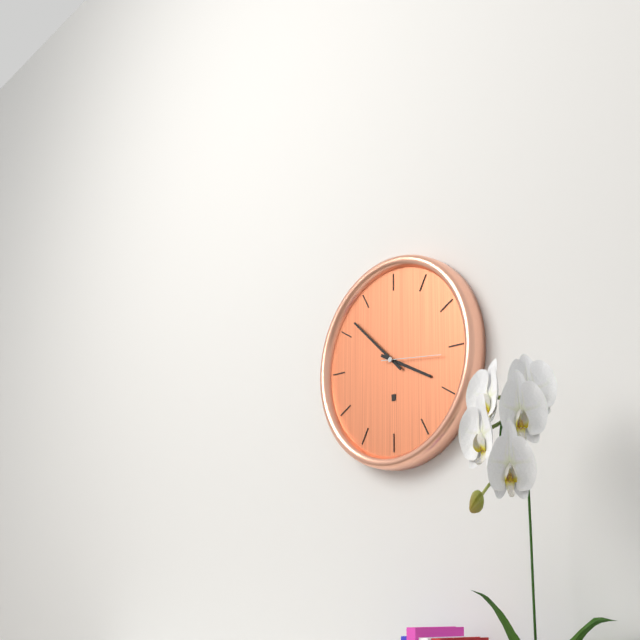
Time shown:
**3:52:16**
